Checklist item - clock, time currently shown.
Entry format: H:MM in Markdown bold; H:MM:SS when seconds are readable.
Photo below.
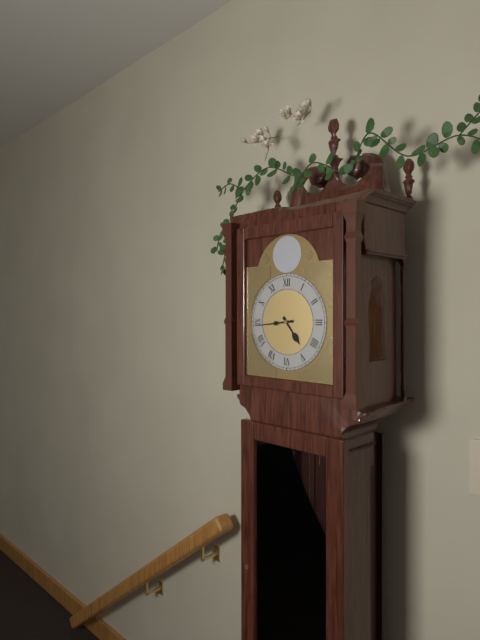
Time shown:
**4:44**
